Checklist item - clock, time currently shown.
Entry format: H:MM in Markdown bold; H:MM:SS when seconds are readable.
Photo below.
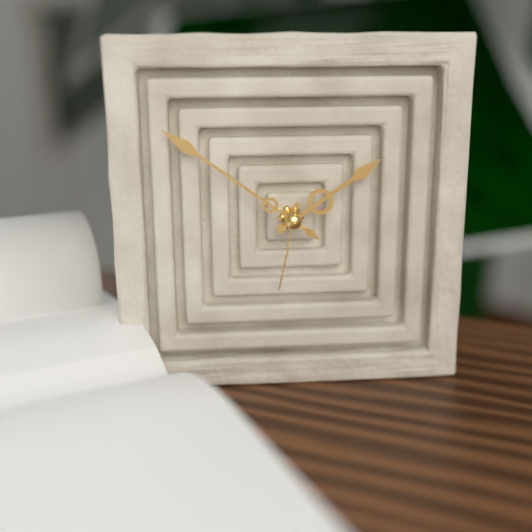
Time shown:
**1:51:32**
